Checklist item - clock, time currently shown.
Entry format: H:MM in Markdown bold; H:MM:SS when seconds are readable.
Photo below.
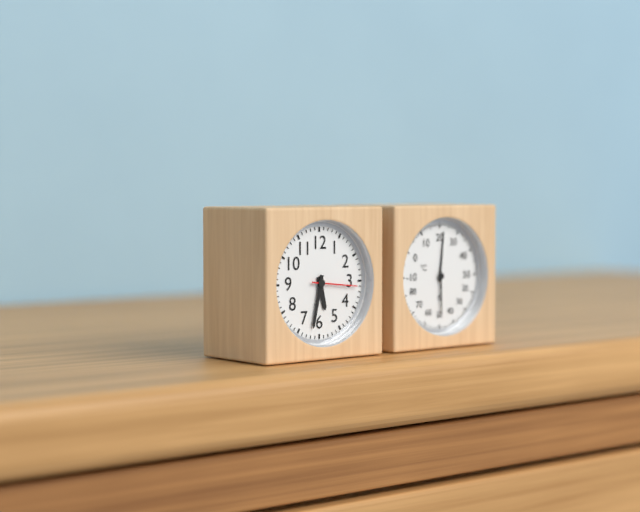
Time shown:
**5:32**
